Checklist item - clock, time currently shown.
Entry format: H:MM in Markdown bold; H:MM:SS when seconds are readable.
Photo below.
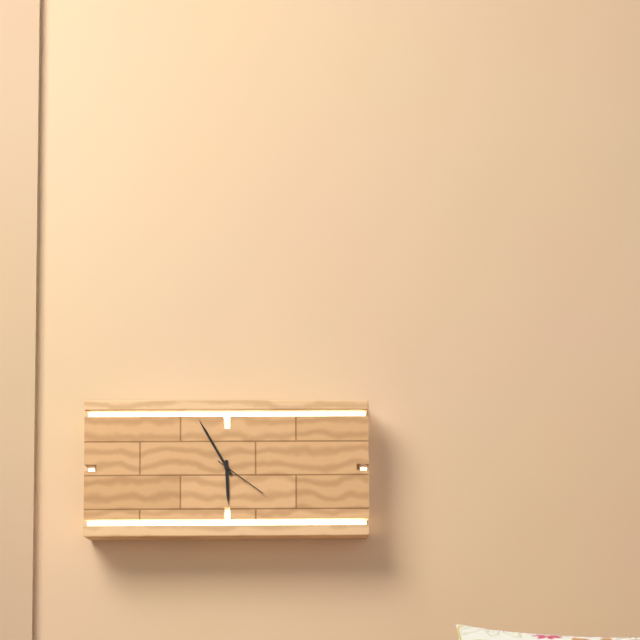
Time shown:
**5:55**
